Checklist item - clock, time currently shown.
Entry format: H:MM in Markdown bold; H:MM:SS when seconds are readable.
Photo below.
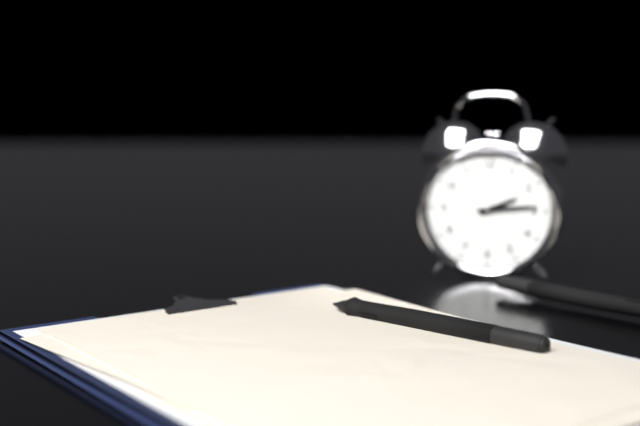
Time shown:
**2:14**
